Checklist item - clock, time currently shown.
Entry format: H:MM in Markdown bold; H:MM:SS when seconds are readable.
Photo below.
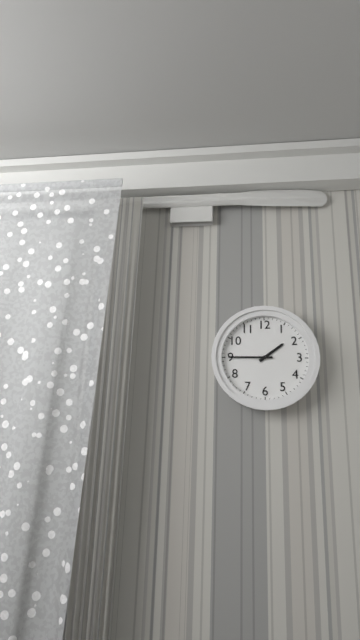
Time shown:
**1:45**
